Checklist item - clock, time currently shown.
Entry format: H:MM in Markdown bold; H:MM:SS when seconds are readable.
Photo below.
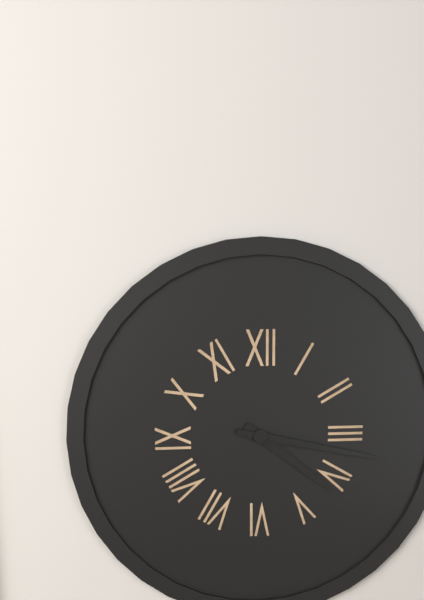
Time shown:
**4:17**
